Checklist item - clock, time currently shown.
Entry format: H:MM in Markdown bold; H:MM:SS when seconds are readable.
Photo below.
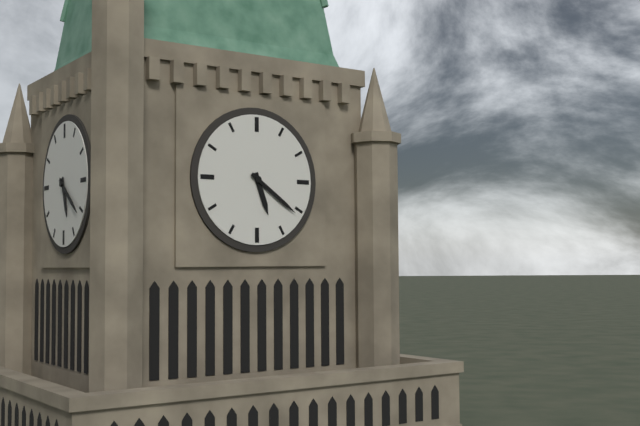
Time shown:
**5:21**
